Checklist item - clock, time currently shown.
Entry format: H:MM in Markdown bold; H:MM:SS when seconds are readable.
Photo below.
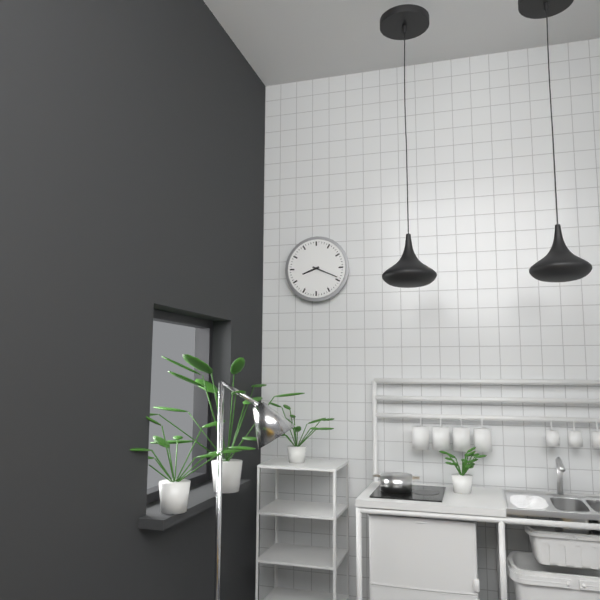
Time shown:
**8:19**
